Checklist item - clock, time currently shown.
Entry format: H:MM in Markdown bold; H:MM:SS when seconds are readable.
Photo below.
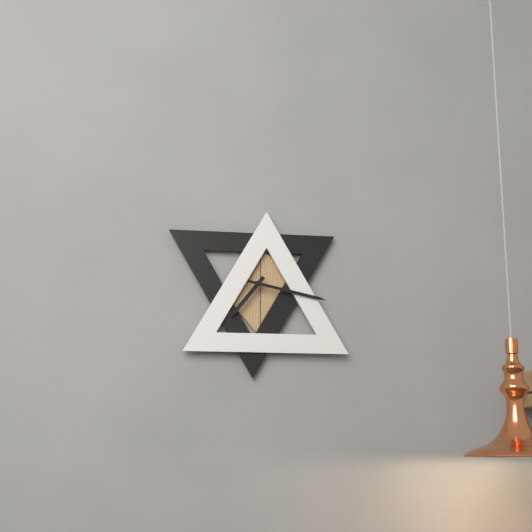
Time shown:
**7:17**
